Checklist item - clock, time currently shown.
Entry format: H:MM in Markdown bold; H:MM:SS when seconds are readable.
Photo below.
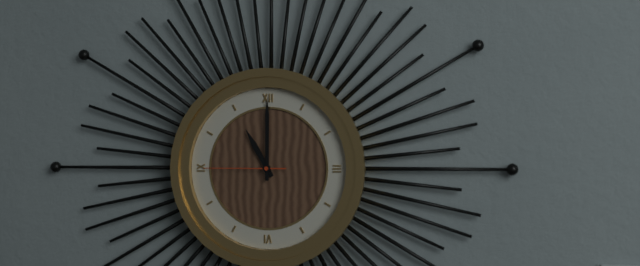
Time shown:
**11:00:45**
